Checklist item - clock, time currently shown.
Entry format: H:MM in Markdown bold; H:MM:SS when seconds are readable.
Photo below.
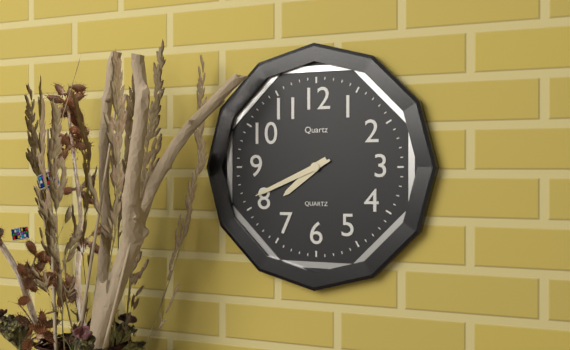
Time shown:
**7:41**
